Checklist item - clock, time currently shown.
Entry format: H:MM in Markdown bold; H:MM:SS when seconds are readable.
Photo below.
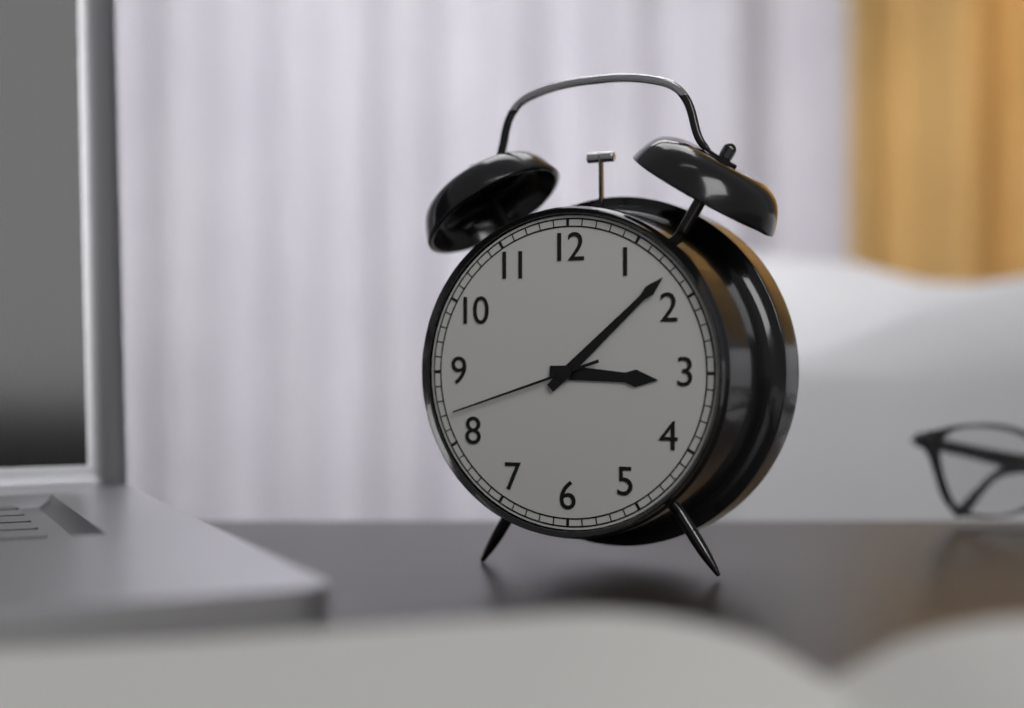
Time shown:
**3:08:42**
